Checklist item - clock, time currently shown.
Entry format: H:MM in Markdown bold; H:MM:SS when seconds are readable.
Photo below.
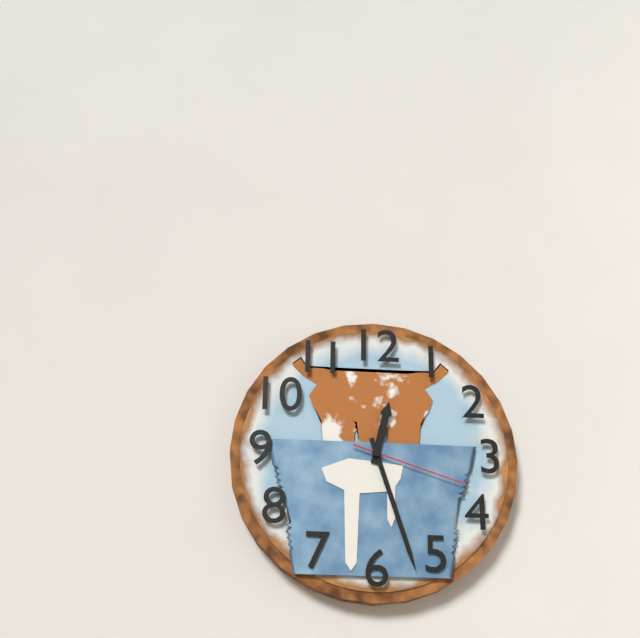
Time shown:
**12:27:18**
